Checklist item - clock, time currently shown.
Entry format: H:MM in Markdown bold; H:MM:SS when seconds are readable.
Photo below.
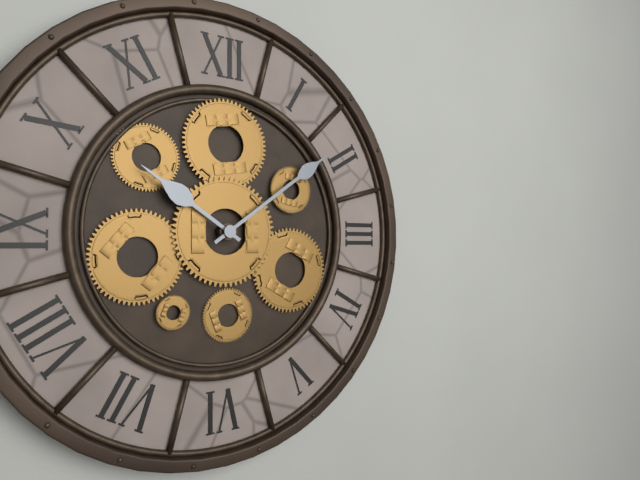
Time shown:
**10:09**
